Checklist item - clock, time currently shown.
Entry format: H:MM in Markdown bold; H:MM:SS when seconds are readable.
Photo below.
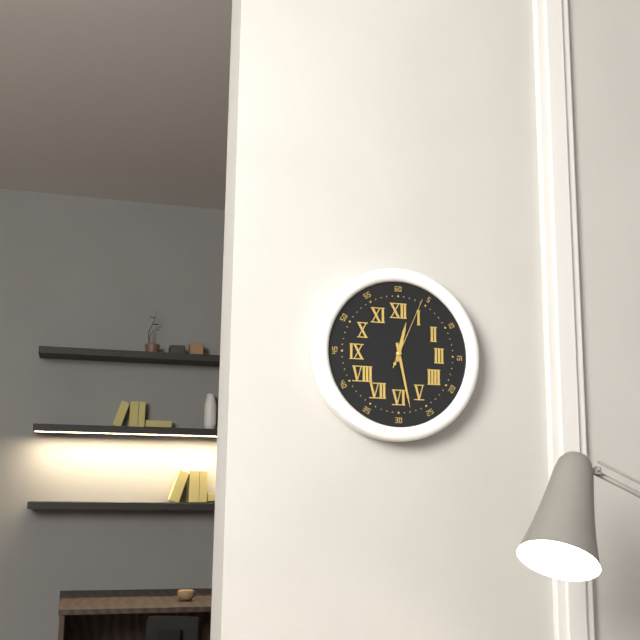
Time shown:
**12:28:04**
